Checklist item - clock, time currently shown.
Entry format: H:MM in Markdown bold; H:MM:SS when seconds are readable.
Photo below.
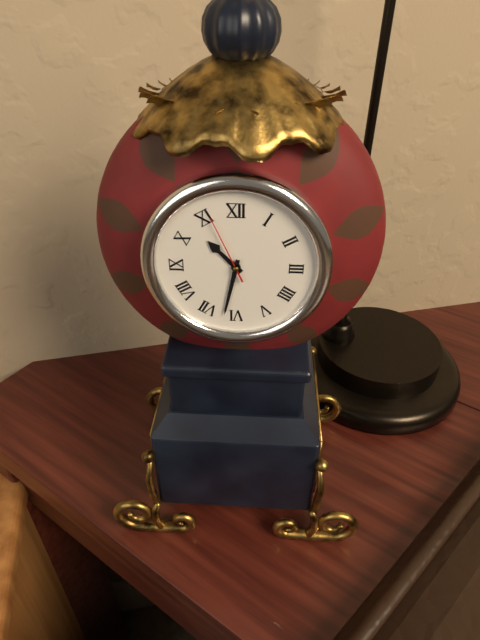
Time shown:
**10:32:56**
